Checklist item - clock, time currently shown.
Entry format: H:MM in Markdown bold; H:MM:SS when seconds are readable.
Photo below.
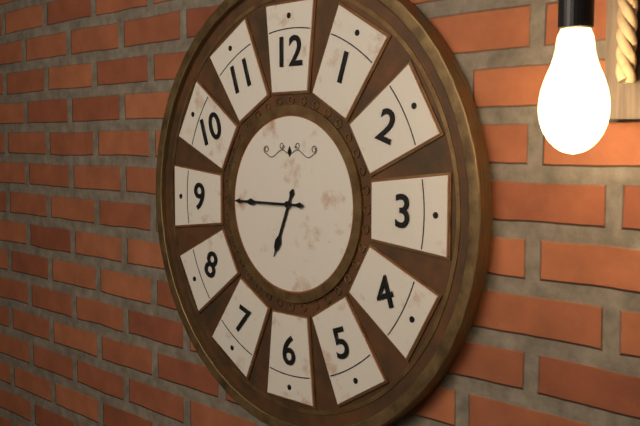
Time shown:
**6:45**
